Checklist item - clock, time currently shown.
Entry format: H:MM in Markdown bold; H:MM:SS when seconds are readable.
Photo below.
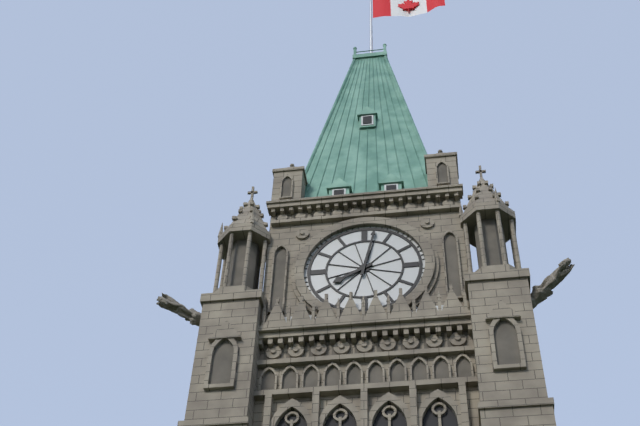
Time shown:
**8:02**
